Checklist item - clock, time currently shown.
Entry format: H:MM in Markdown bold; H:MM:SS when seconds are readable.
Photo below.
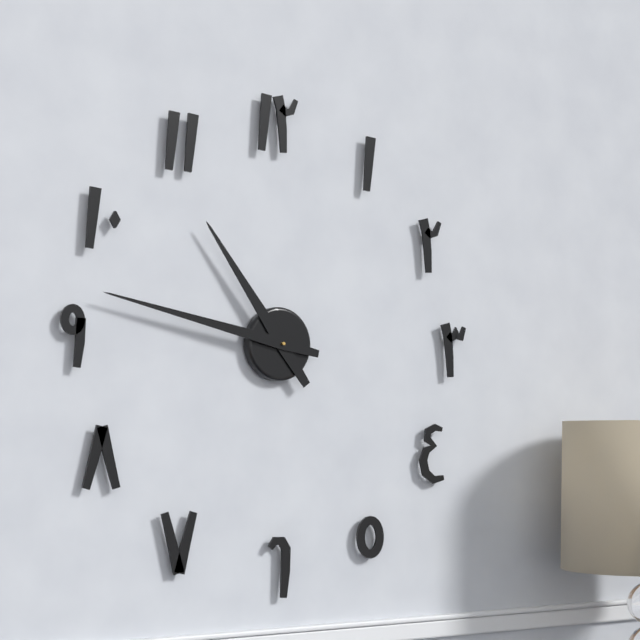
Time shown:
**10:47**
